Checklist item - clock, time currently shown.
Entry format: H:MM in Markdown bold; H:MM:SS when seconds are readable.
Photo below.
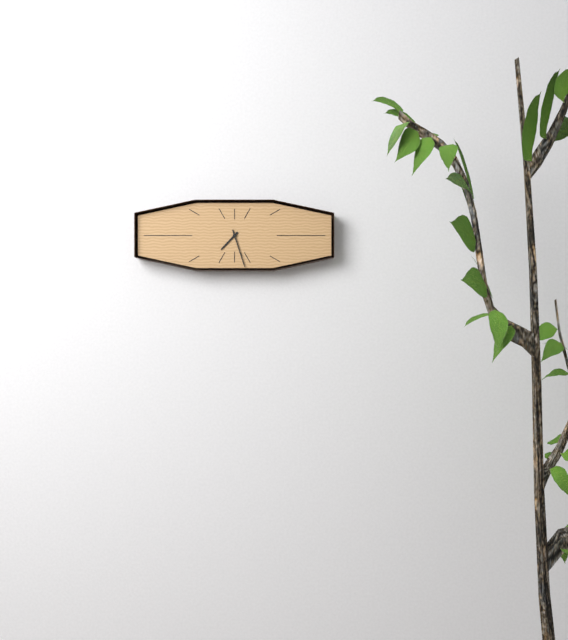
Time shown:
**7:27**
